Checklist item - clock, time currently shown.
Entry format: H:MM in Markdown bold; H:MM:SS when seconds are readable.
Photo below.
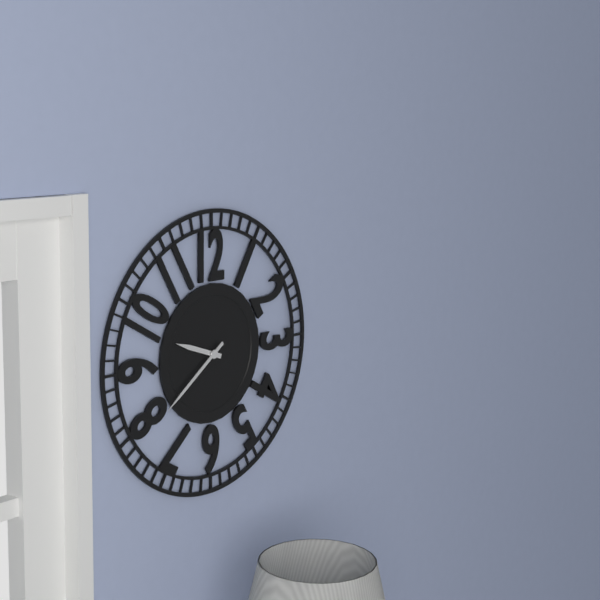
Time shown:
**9:39**
